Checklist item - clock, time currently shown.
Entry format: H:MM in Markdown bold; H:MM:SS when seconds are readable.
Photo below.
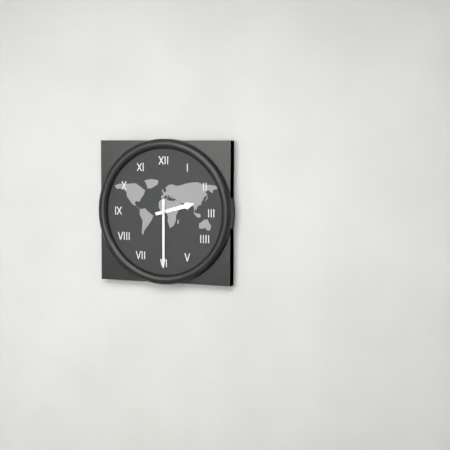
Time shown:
**2:30**
